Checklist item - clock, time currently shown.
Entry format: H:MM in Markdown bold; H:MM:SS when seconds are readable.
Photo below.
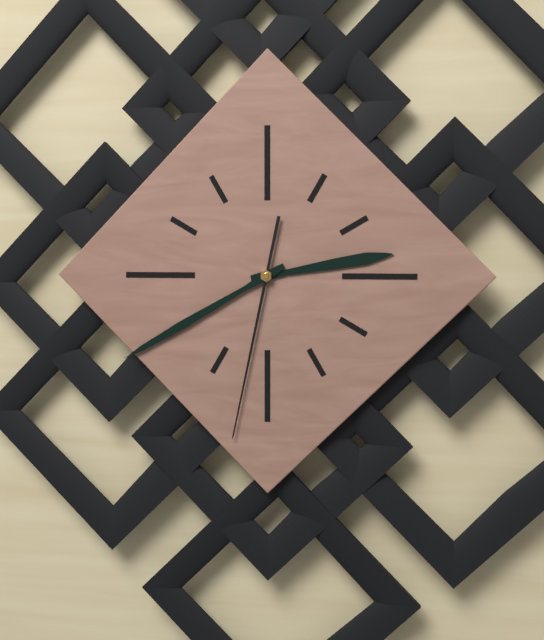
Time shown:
**2:40:32**
